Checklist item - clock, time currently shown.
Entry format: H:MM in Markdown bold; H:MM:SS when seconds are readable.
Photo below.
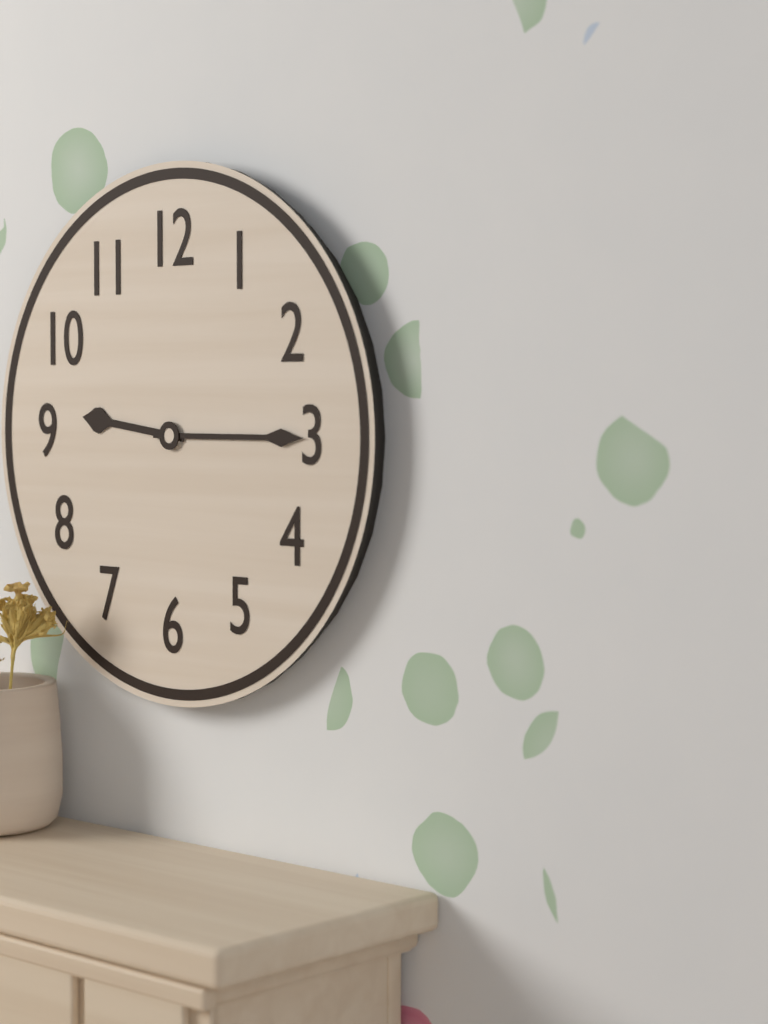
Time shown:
**9:15**
